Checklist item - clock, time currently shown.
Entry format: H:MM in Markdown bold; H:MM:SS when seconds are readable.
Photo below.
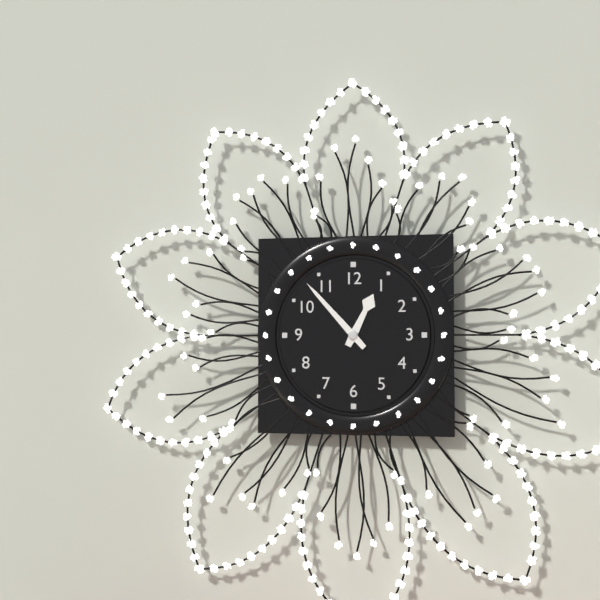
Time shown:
**12:53**
